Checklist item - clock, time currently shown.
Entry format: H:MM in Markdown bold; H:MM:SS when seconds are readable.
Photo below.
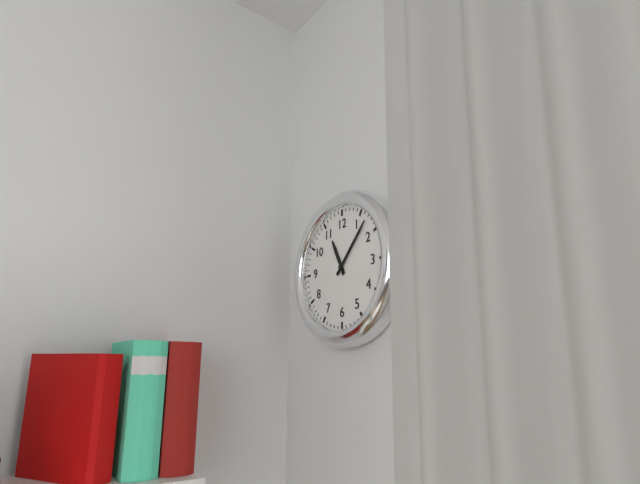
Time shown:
**11:07**
